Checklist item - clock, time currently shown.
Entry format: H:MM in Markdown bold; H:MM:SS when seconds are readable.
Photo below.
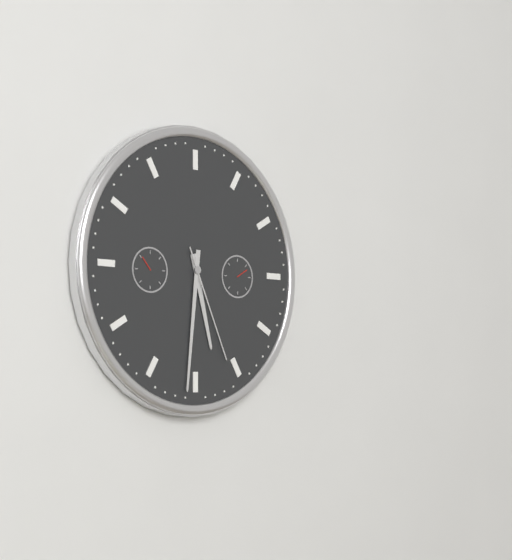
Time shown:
**5:31:26**
